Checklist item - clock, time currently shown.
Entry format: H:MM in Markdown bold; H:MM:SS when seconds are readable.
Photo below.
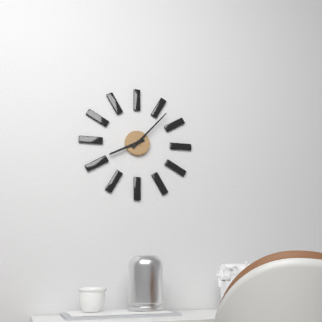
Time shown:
**8:07**
